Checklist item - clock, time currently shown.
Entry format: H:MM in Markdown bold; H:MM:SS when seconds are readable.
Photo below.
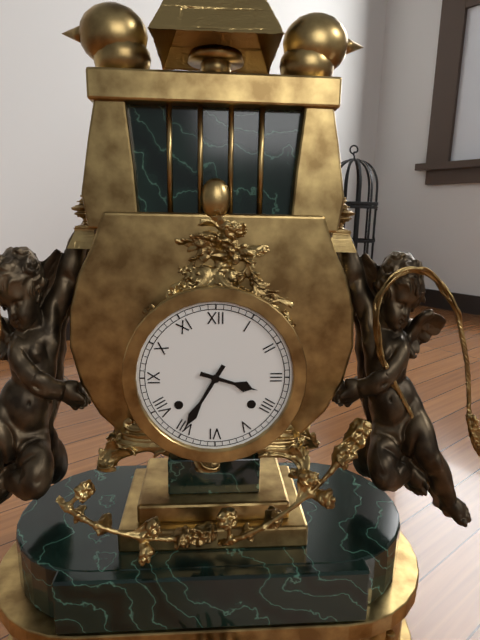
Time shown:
**3:35**
